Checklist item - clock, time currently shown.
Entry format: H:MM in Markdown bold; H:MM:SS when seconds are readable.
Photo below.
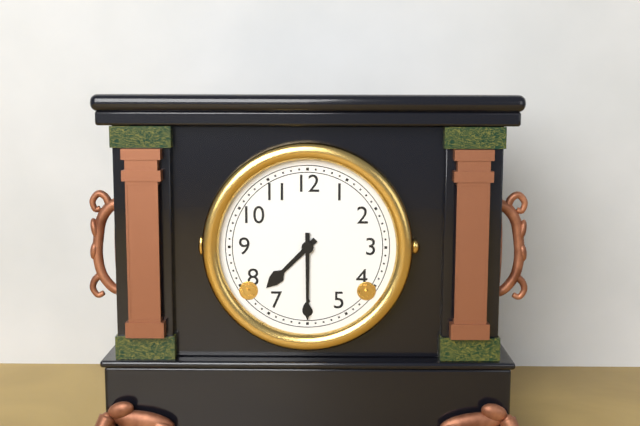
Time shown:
**7:30**
